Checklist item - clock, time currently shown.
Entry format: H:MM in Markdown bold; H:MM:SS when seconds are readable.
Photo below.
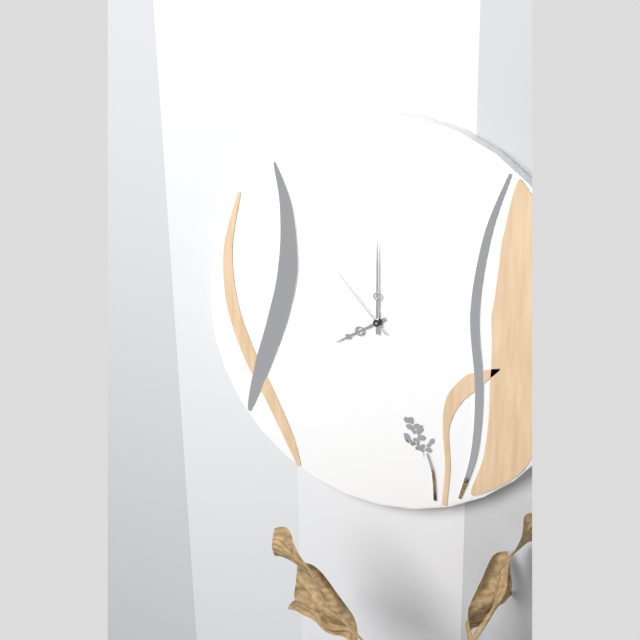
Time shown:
**8:00:53**
